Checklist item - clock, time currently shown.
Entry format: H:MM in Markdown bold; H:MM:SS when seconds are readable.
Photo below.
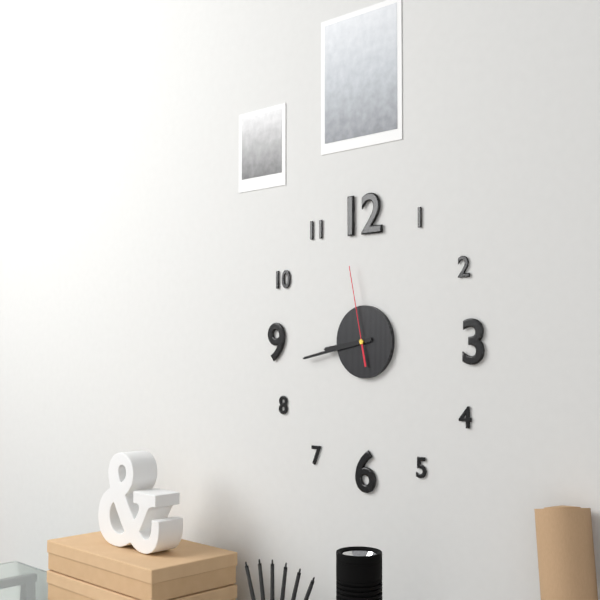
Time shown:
**8:43:58**
